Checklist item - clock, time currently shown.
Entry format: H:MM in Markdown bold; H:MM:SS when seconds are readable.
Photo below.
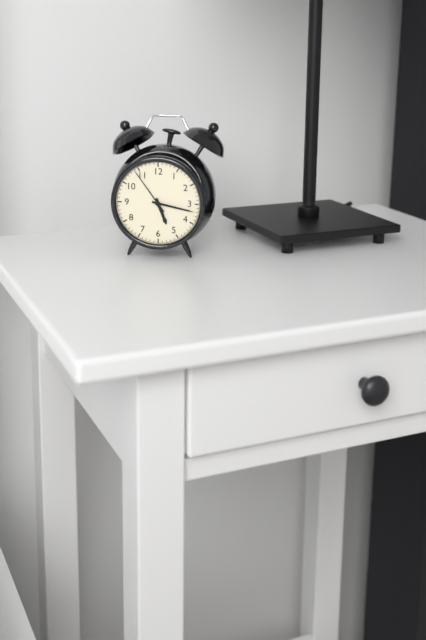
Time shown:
**5:17**
